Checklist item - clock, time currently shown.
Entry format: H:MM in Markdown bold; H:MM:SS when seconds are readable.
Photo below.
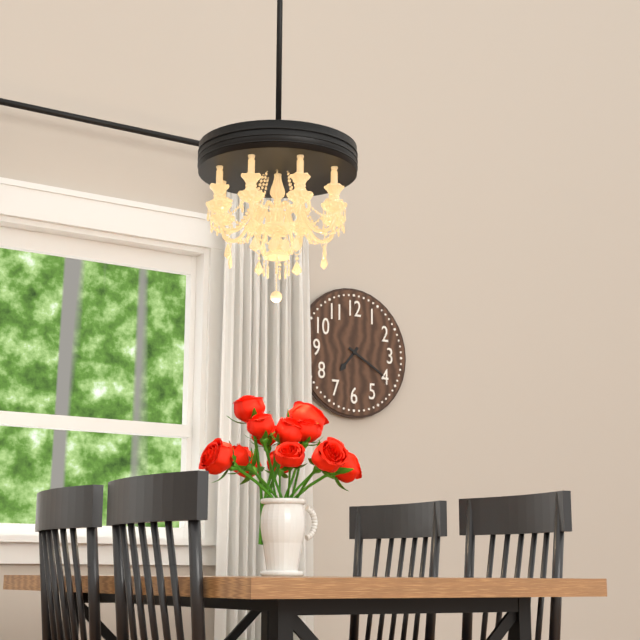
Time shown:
**7:20**
